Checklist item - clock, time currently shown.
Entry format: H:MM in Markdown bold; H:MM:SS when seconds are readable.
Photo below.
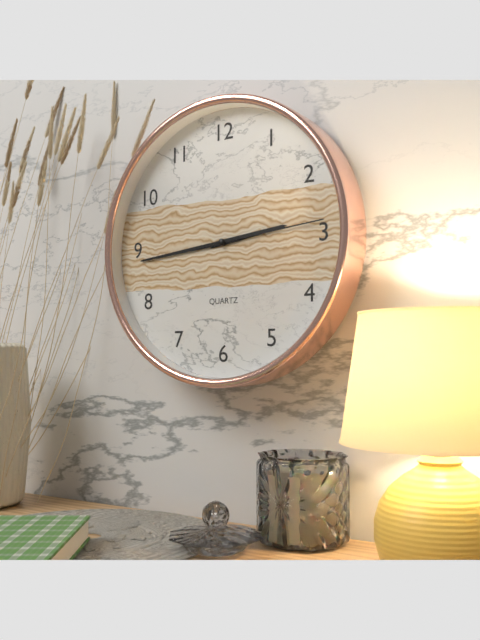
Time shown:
**2:44:14**
